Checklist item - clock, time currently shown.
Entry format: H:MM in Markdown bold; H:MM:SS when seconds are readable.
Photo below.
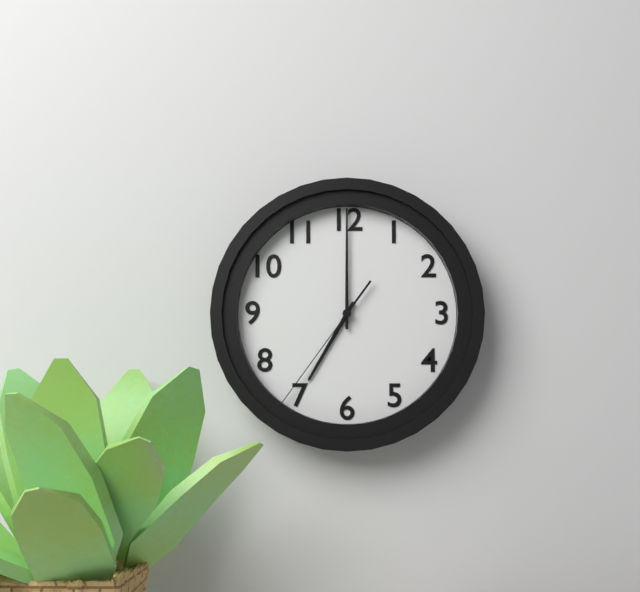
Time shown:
**7:00:36**
